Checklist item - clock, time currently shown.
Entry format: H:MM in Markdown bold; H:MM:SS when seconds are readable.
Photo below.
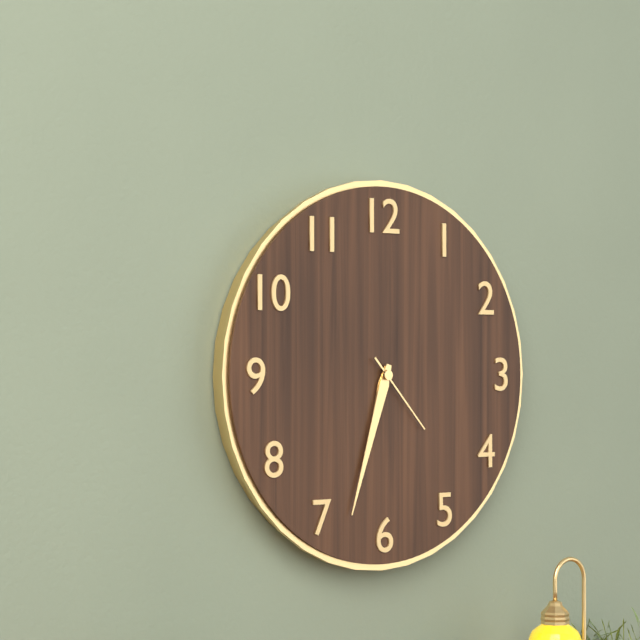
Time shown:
**6:33:23**
